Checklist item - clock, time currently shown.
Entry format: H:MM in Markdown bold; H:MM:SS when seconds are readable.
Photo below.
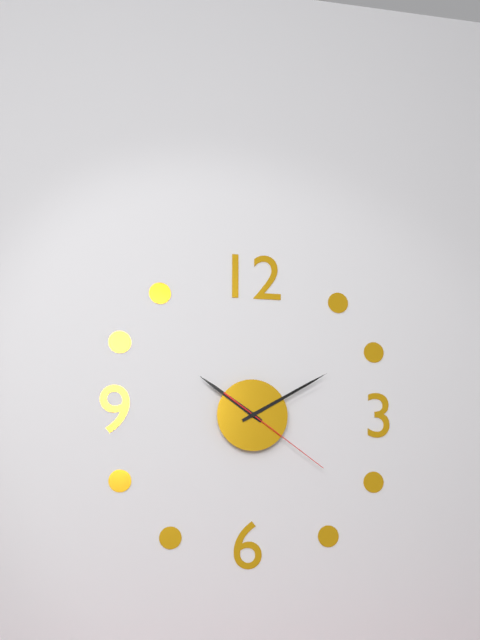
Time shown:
**10:10:21**
